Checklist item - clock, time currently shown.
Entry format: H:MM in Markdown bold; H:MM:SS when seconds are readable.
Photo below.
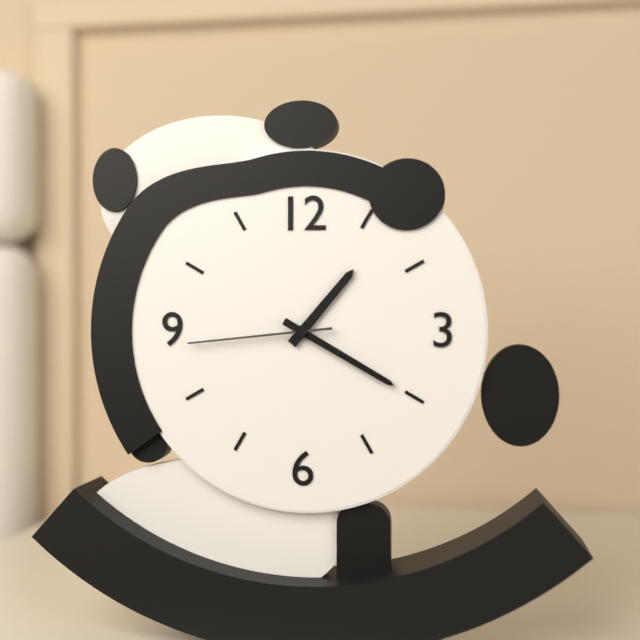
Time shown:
**1:20:44**
